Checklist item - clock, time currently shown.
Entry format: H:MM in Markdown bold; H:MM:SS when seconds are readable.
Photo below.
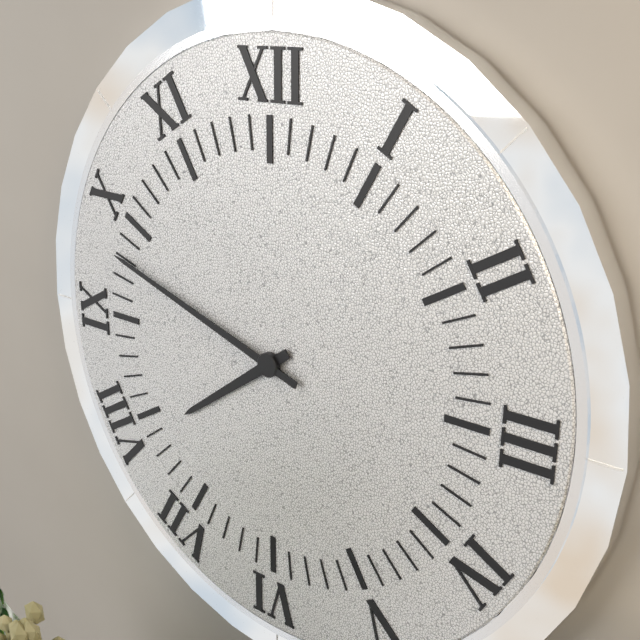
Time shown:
**7:48**
